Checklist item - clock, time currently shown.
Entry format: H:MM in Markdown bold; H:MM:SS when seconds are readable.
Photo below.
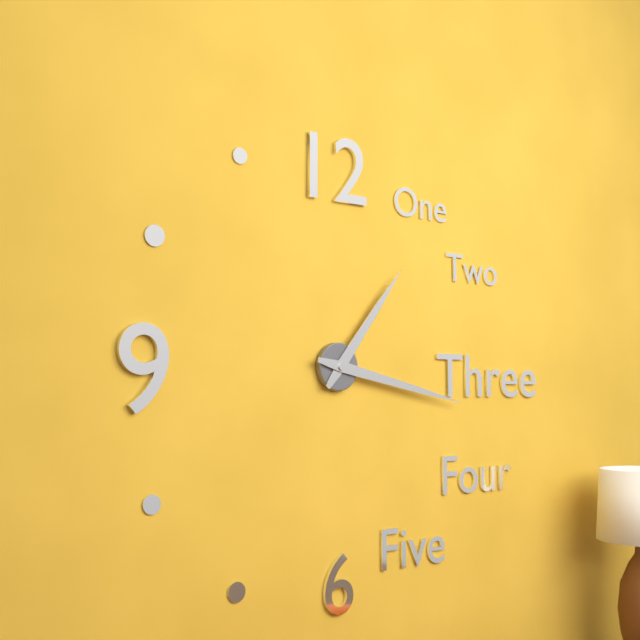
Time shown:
**1:17**
